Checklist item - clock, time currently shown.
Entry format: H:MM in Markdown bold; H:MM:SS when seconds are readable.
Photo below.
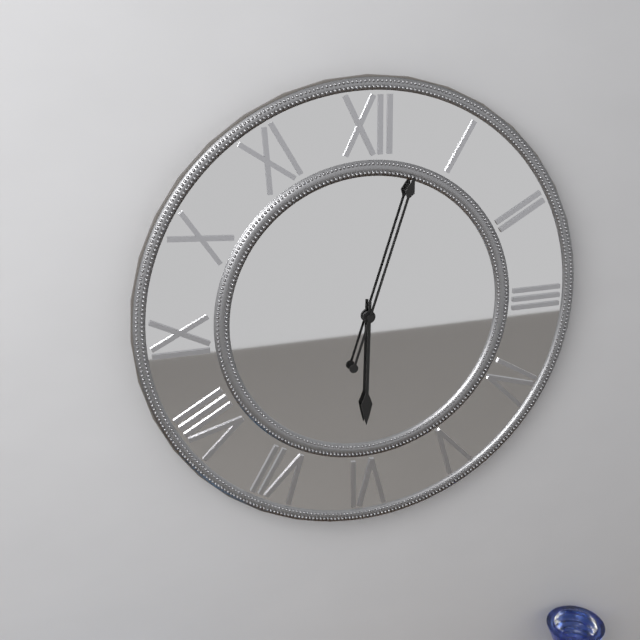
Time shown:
**6:03**
